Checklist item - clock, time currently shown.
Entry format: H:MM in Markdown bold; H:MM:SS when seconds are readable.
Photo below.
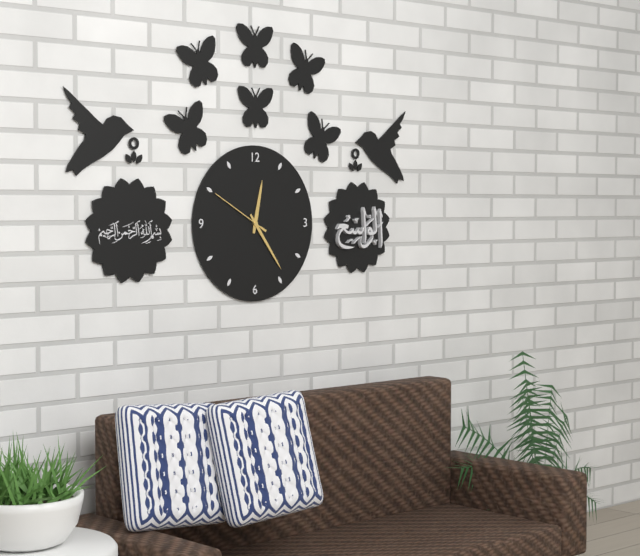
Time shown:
**12:24:50**
